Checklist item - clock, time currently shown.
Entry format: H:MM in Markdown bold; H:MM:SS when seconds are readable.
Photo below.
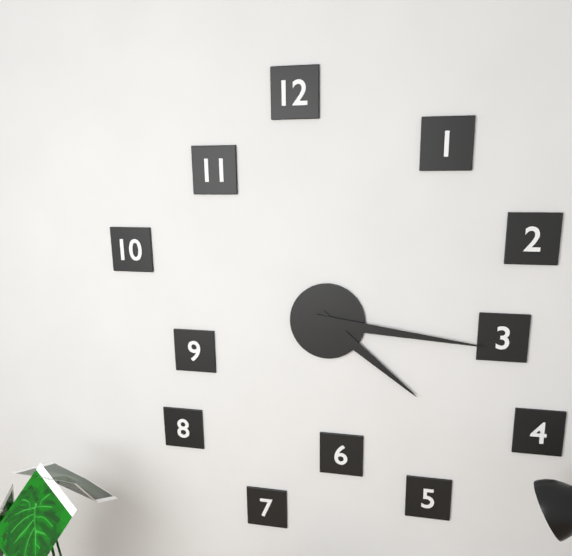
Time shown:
**4:16**
